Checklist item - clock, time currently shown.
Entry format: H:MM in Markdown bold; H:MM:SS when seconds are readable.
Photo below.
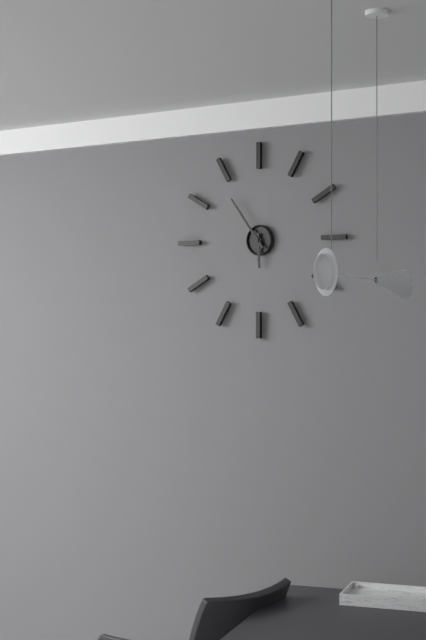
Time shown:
**5:54**
